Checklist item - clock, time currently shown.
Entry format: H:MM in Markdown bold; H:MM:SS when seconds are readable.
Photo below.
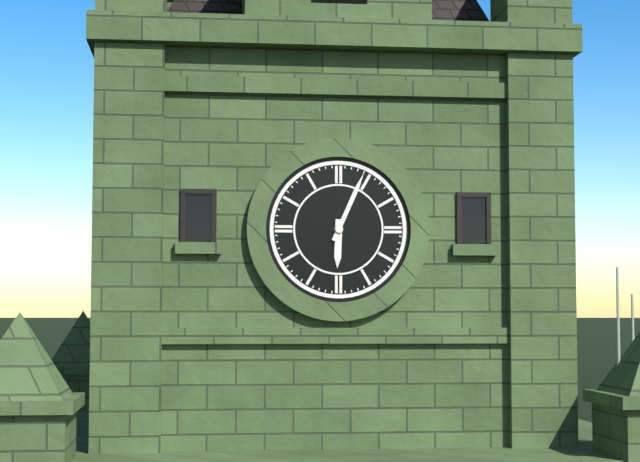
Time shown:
**6:04**
